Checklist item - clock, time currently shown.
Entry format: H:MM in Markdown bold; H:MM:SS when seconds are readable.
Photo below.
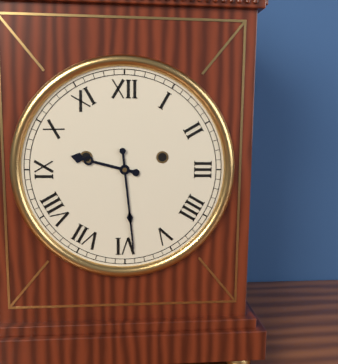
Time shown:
**9:29**
